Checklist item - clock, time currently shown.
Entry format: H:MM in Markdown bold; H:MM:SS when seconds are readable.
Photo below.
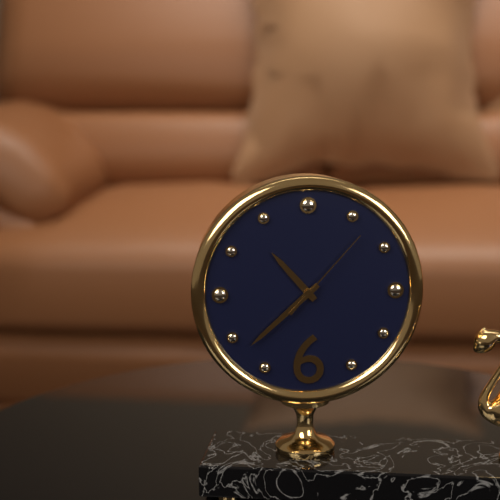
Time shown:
**10:38:07**
